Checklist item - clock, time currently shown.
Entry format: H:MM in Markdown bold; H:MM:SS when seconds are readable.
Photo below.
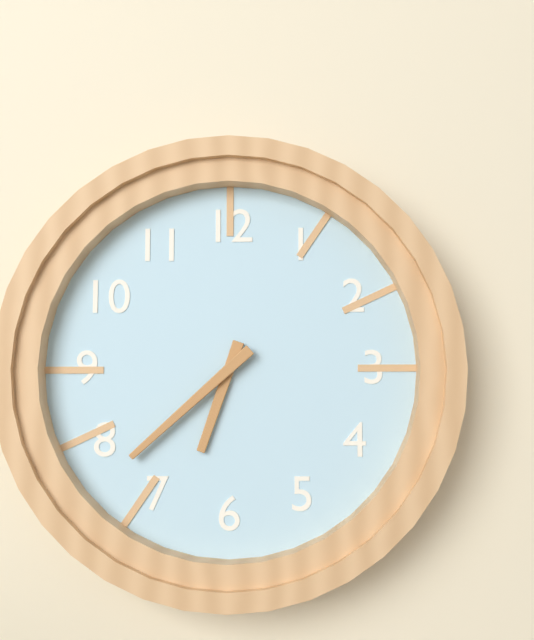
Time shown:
**6:38**
